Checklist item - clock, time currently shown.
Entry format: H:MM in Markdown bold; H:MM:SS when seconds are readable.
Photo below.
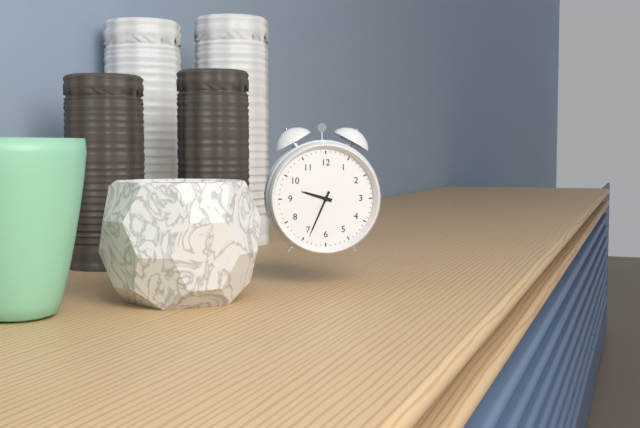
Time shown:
**9:34**
